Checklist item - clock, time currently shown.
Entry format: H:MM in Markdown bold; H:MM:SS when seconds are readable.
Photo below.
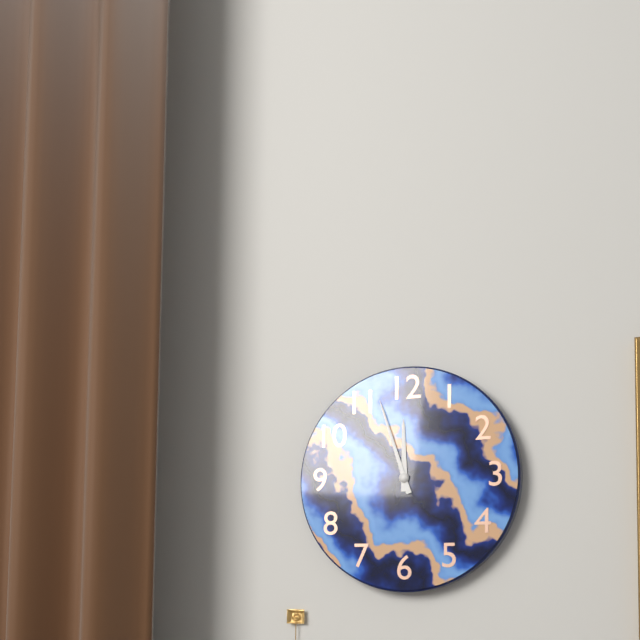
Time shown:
**11:57**
